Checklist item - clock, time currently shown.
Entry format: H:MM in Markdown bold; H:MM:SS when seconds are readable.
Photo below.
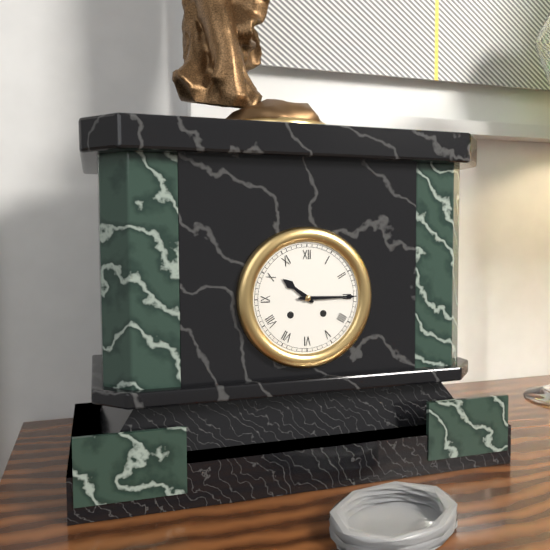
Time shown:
**10:15**
